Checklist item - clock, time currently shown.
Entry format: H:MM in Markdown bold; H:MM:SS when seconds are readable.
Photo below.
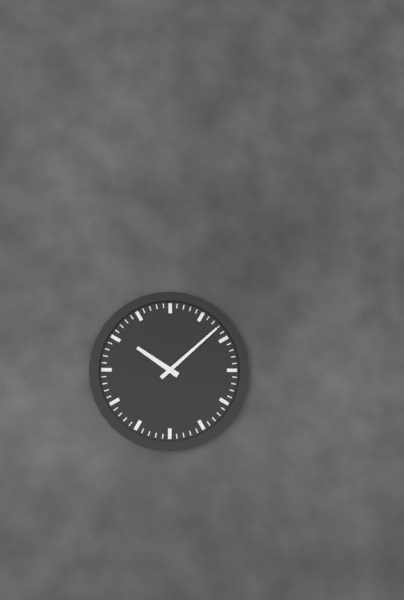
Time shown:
**10:08**
